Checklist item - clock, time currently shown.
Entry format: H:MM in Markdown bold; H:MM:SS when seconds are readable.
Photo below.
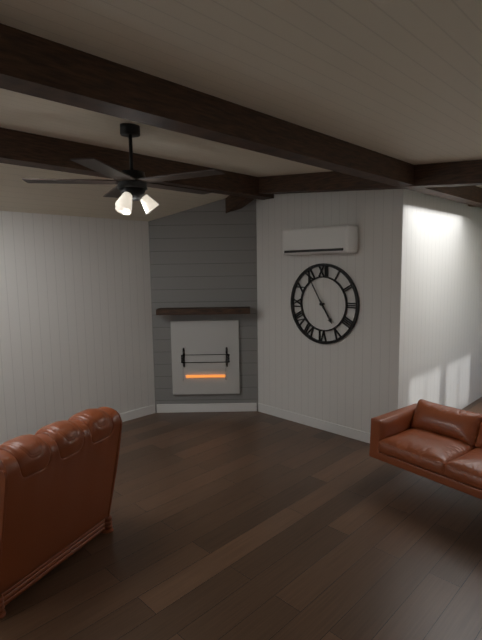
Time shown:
**4:55**
